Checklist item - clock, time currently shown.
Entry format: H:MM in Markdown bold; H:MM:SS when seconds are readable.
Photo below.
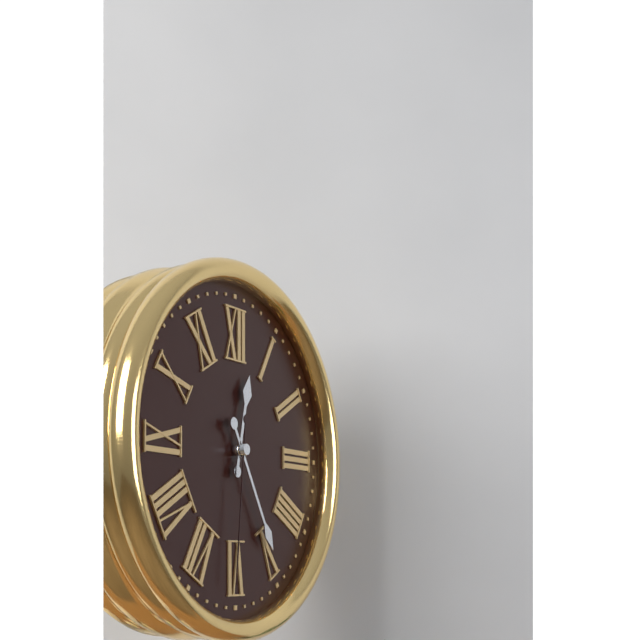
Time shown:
**12:25:31**
